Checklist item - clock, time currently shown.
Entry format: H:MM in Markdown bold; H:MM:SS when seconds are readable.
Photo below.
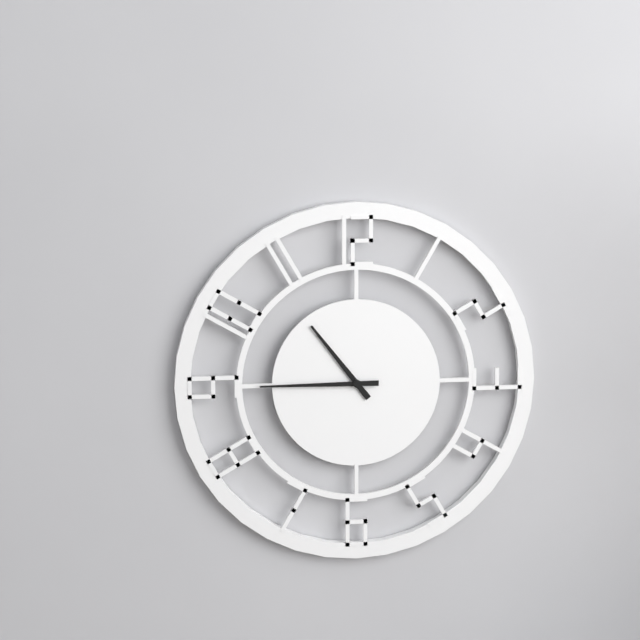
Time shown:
**10:45**
